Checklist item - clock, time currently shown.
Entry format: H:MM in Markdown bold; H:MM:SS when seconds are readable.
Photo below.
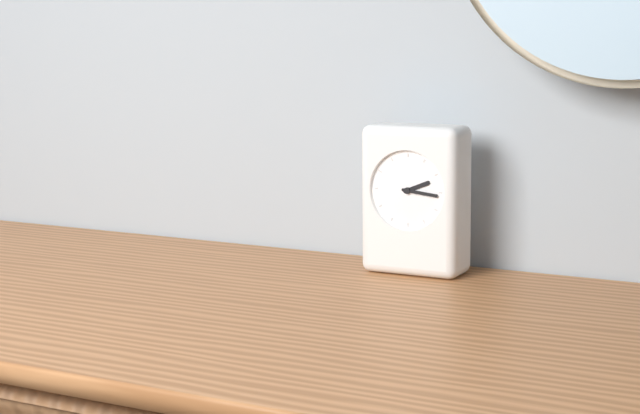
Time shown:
**2:16**
